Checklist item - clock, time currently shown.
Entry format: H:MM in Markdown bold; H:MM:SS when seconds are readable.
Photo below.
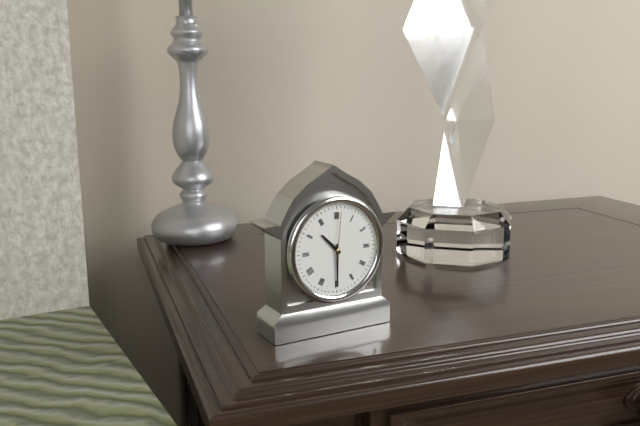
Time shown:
**10:30**
